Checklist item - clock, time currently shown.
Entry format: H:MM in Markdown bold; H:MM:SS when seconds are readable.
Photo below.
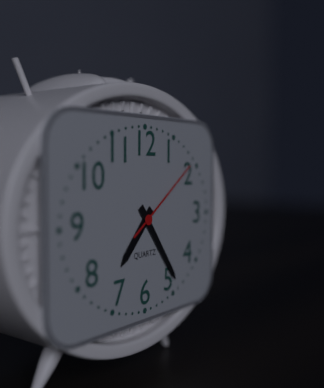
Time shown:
**7:24:09**
